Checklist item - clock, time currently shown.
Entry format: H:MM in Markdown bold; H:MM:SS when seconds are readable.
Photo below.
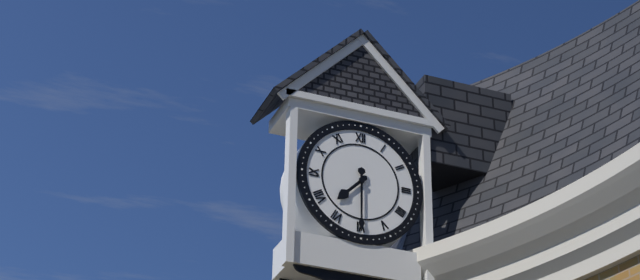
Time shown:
**7:30**
